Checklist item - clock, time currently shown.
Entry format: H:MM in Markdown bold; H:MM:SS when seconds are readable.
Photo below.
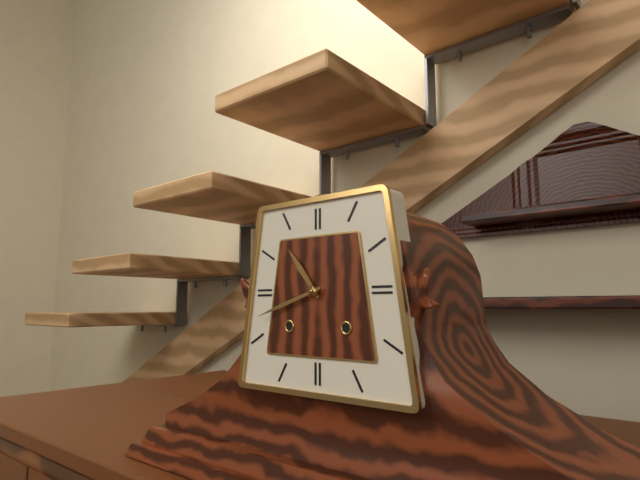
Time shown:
**10:42**
